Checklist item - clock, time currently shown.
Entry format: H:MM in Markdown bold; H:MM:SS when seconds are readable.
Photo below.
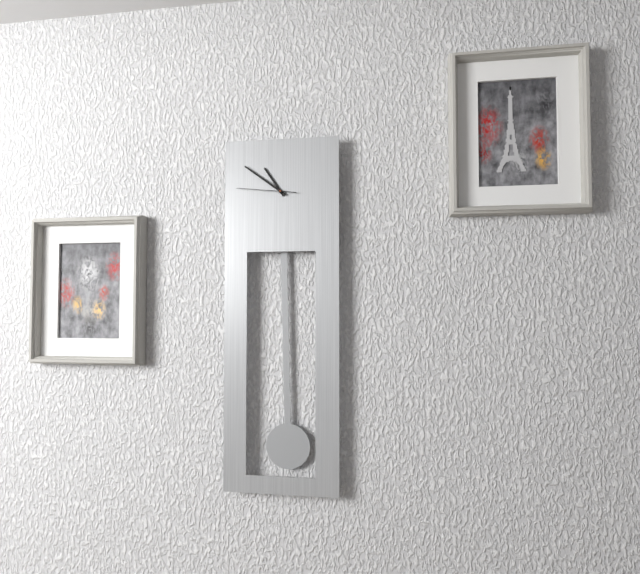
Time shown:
**10:51:46**
